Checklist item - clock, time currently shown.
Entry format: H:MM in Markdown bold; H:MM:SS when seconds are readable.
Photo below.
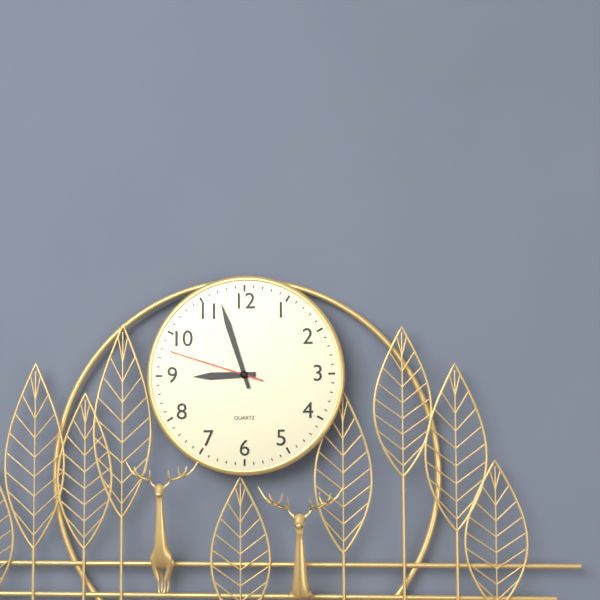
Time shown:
**8:57:48**
